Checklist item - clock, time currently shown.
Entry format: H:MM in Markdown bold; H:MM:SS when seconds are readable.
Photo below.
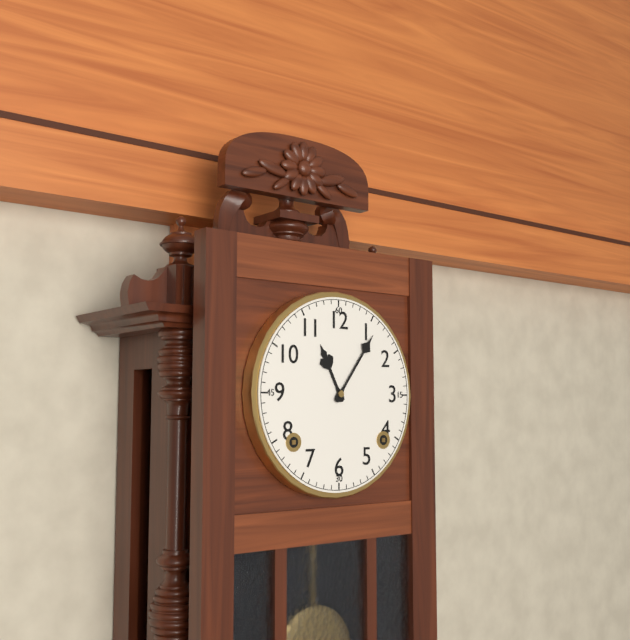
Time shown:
**11:06**
